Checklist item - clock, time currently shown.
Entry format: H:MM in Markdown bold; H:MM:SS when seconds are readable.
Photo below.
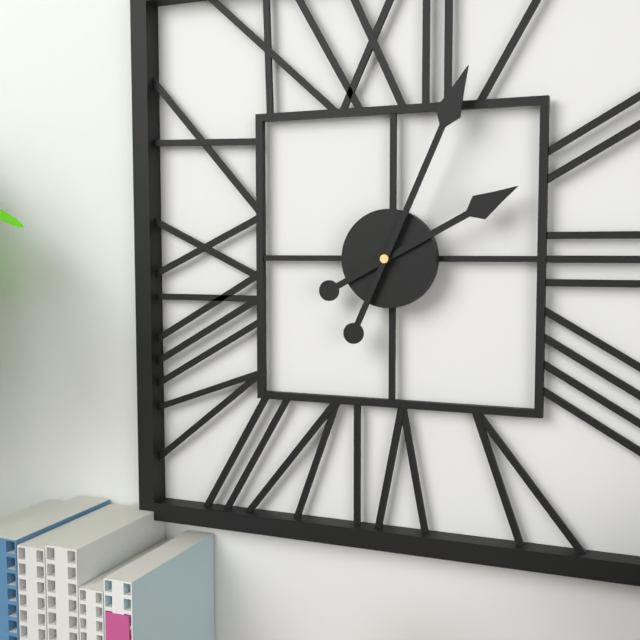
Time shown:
**2:04**
